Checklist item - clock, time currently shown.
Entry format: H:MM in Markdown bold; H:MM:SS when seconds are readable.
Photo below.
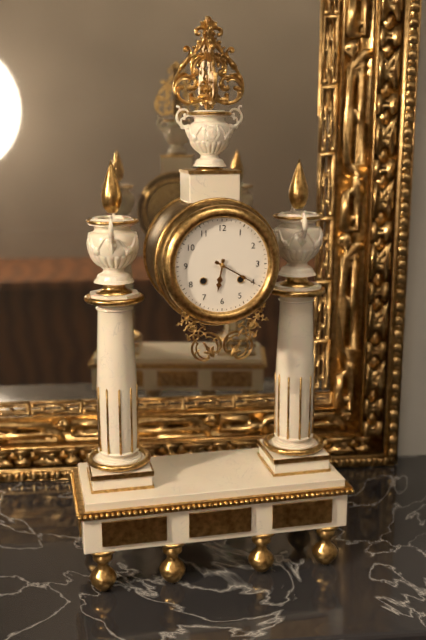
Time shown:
**6:20**
